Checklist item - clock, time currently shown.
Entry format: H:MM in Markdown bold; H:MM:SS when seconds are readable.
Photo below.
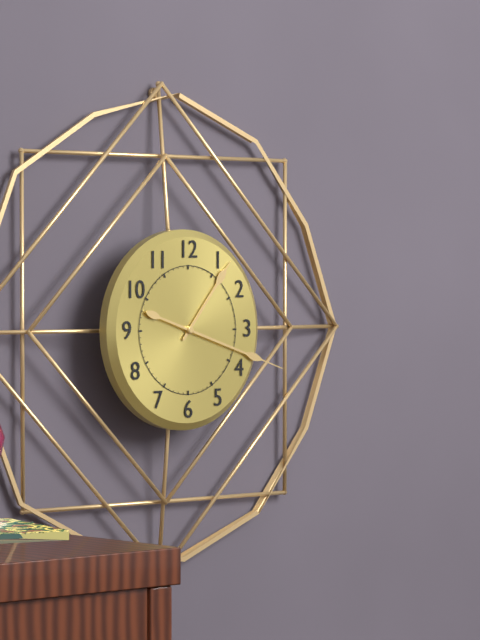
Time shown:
**1:18**
